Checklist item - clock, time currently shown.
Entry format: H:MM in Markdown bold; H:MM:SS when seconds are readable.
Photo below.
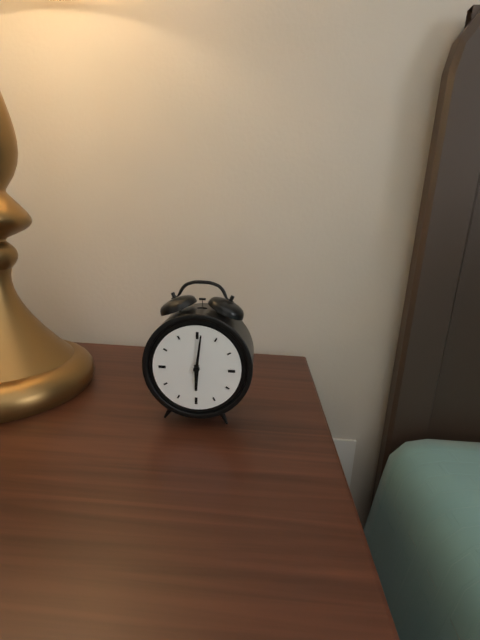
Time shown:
**6:01**
